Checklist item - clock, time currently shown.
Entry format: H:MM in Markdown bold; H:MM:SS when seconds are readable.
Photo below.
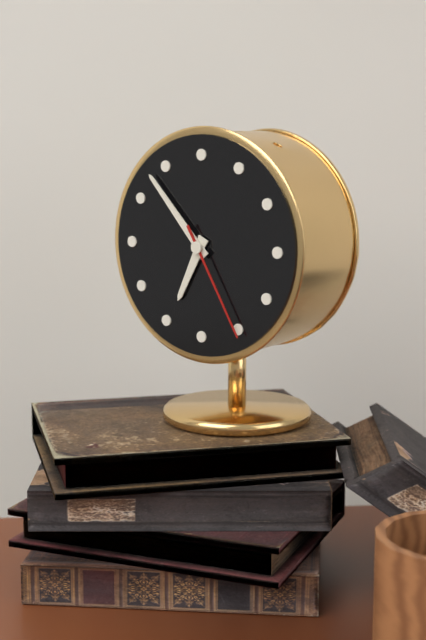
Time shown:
**6:53:25**
